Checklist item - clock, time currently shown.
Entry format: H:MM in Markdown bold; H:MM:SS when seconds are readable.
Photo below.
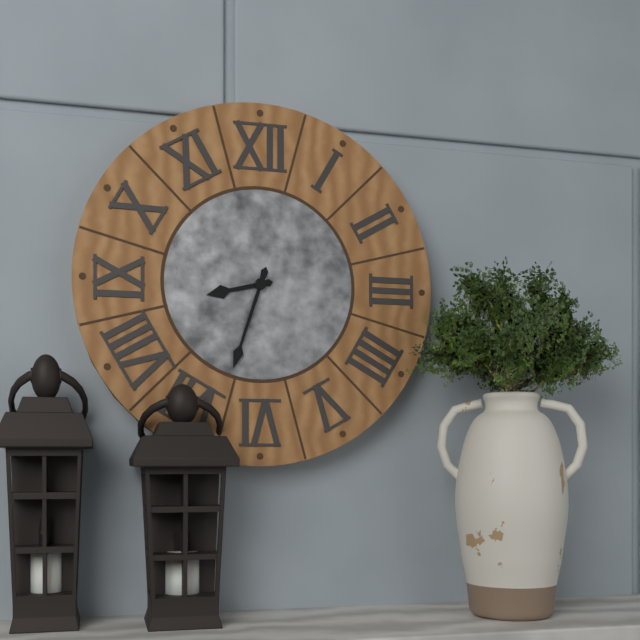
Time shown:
**8:33**
